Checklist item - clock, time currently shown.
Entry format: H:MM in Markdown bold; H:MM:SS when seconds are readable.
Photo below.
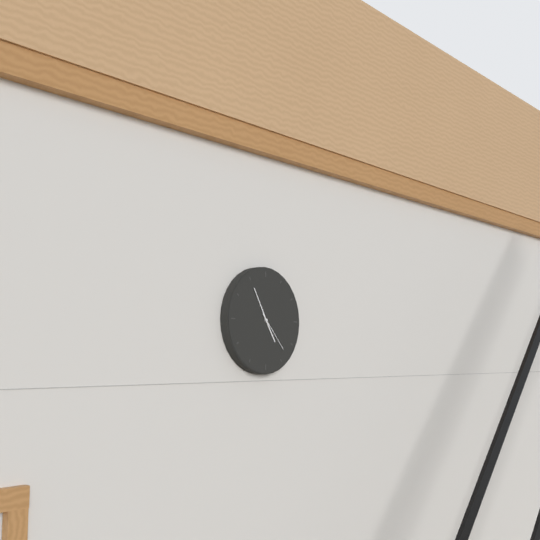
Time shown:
**4:55**
